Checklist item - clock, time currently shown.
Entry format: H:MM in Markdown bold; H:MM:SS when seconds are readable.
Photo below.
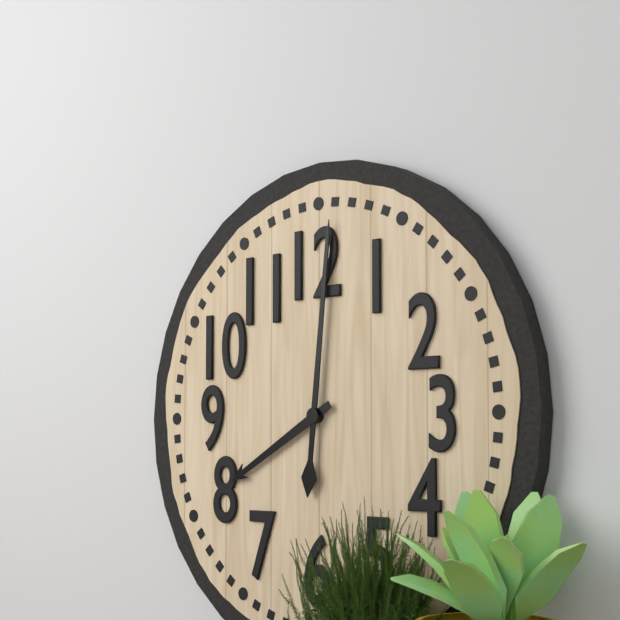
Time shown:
**8:01**
